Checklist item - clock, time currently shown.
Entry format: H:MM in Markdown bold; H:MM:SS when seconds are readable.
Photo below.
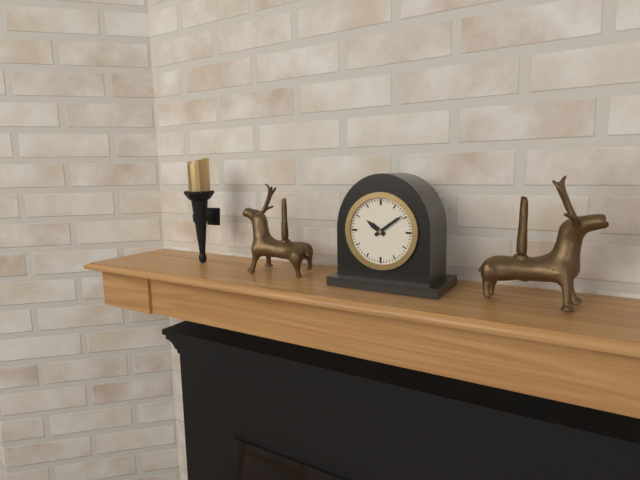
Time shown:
**10:09**
